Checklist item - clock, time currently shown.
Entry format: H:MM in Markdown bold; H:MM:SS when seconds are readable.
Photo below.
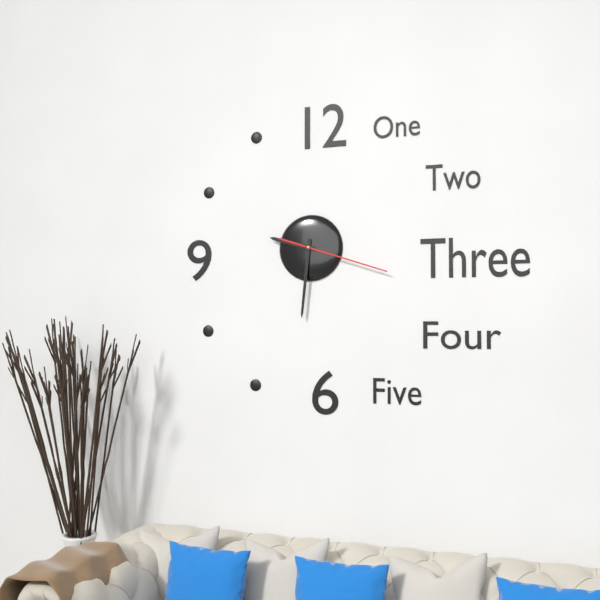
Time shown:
**9:31:18**
